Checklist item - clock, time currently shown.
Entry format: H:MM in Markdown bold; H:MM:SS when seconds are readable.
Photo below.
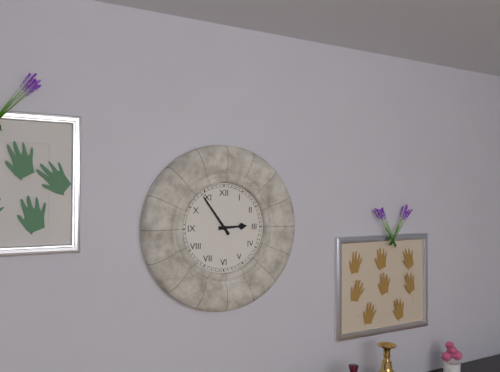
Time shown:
**2:54**
